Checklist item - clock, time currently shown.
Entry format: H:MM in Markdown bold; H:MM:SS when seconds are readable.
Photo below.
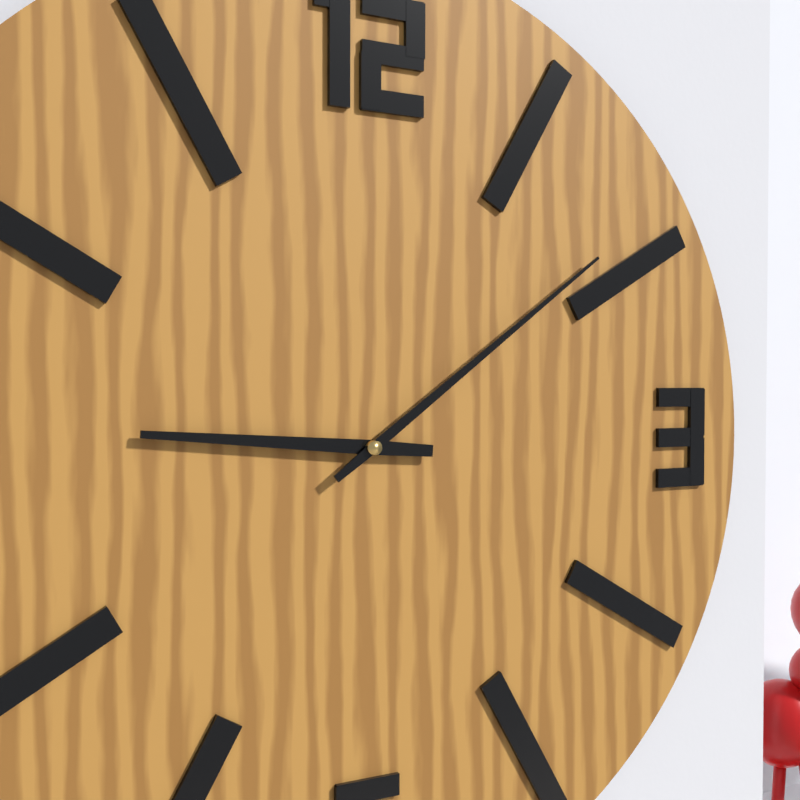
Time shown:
**9:09**
